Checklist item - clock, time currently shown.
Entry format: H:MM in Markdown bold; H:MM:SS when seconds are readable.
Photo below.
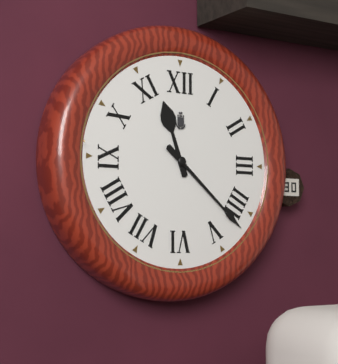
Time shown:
**11:22**
